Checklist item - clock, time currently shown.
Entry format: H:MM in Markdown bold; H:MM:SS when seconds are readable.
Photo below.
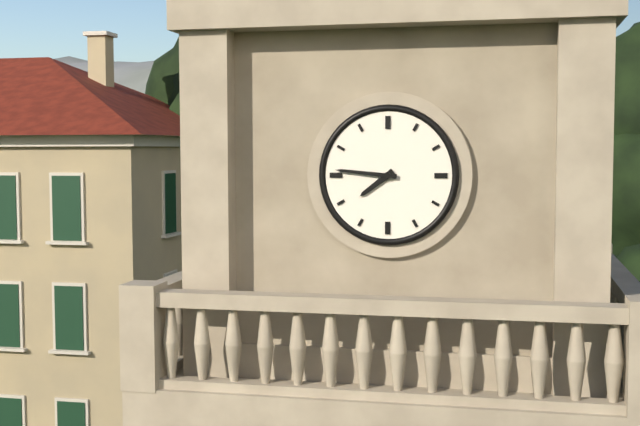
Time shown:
**7:46**
